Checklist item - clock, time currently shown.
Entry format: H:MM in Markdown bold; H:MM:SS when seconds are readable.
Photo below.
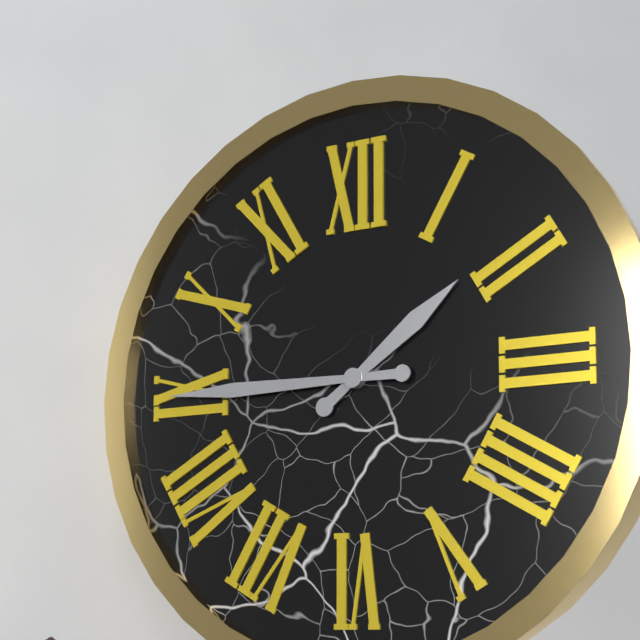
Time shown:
**1:45**
